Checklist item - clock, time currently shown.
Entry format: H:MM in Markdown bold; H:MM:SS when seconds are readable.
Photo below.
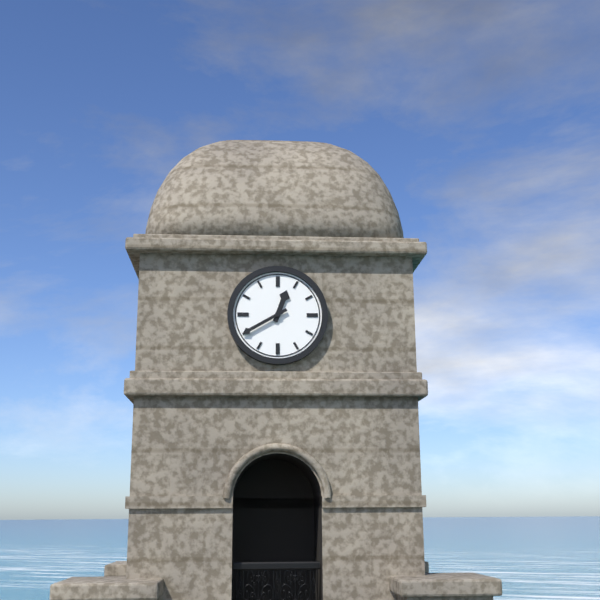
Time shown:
**12:40**
